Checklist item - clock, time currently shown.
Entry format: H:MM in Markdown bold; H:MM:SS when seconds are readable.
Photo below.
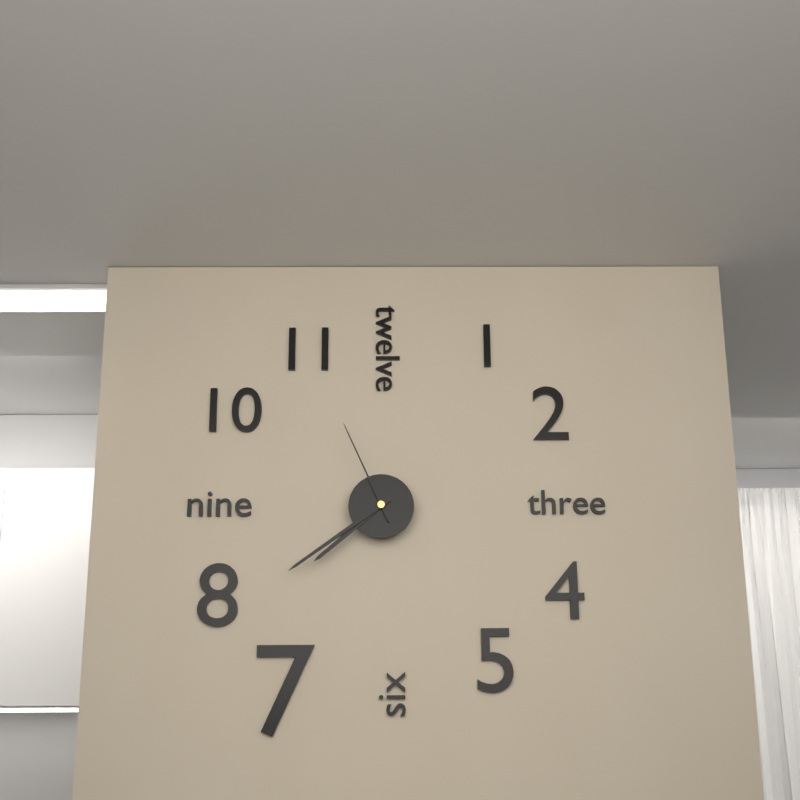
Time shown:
**7:39:56**
